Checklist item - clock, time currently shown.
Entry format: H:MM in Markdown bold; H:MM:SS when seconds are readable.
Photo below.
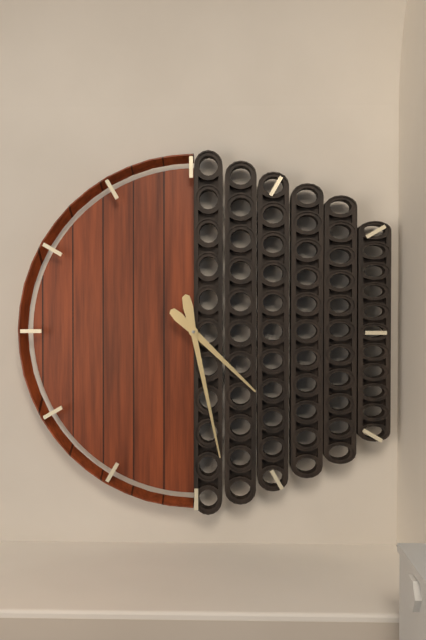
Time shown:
**4:28**
